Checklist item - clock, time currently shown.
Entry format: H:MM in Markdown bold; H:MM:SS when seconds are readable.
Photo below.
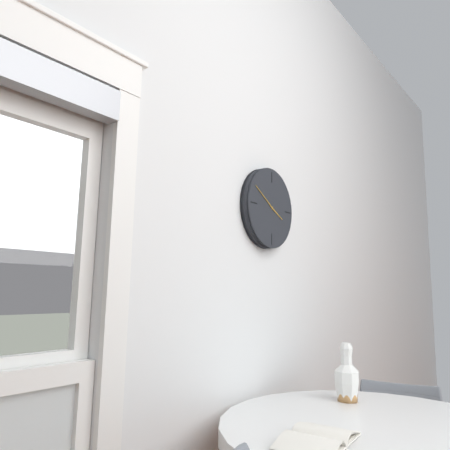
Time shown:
**3:50**
